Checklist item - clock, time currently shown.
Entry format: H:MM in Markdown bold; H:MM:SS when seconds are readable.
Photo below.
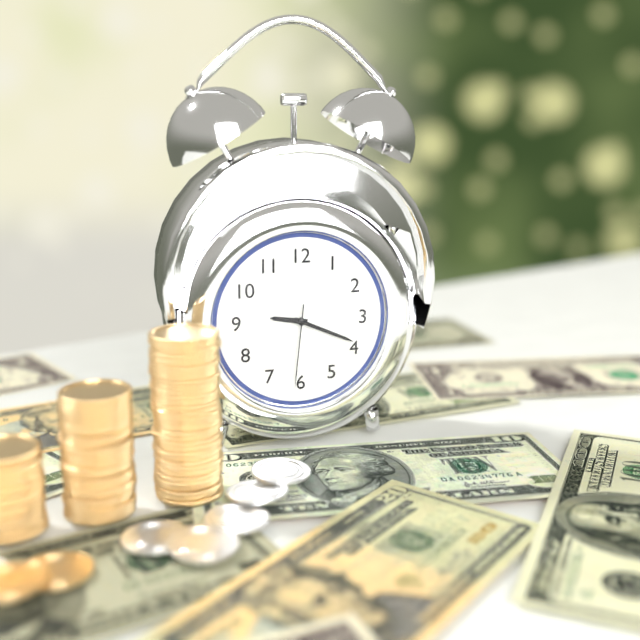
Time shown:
**9:19:31**
